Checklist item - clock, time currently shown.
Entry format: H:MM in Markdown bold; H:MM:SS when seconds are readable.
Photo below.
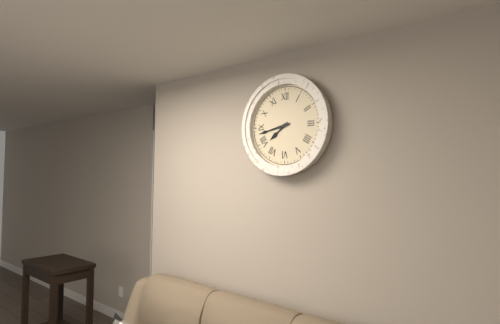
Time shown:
**7:43**
